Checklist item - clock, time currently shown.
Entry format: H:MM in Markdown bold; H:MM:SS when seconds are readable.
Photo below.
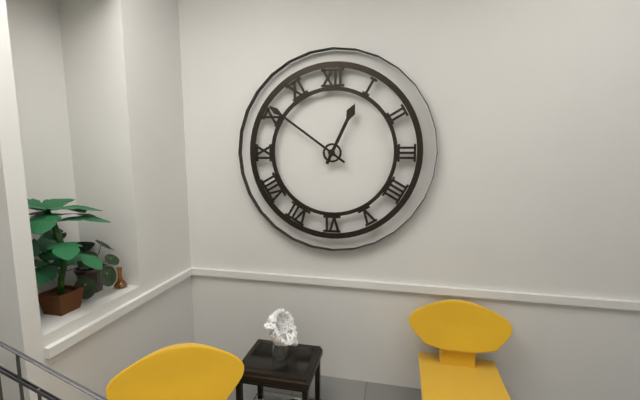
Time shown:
**12:51**
